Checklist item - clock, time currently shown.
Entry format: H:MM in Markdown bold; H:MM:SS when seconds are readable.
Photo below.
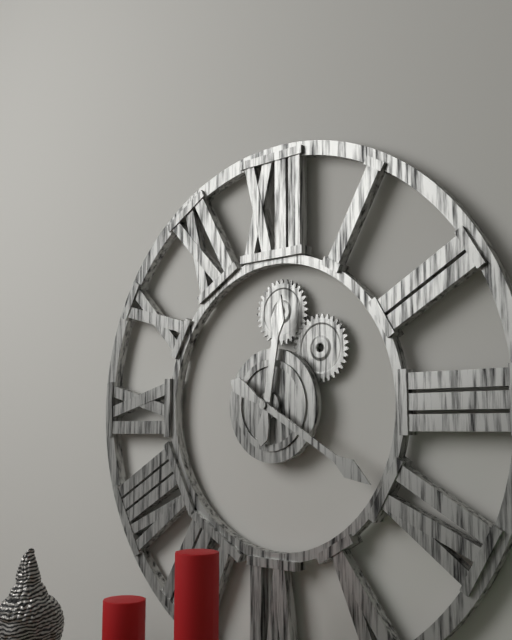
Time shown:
**12:20**
